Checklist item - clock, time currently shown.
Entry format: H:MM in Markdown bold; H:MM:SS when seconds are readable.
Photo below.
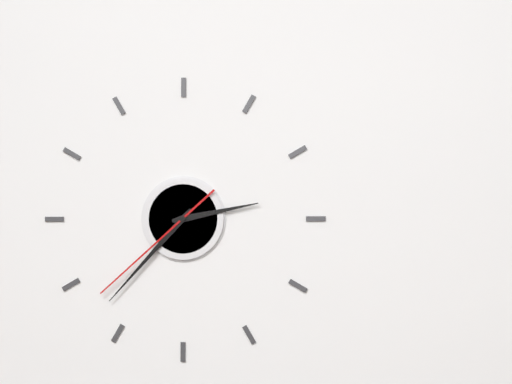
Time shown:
**2:37:38**
